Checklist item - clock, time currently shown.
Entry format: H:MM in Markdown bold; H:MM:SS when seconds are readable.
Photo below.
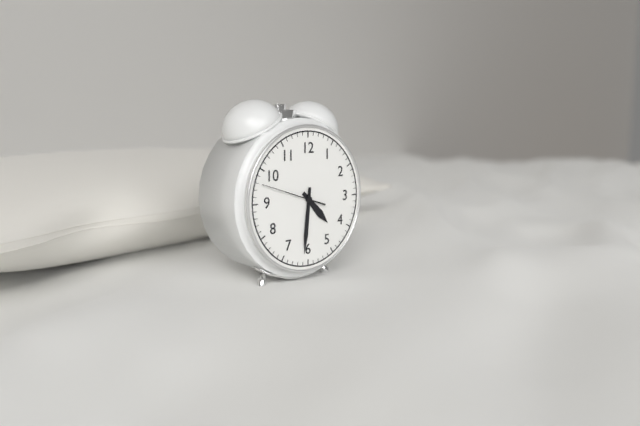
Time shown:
**4:31:48**
